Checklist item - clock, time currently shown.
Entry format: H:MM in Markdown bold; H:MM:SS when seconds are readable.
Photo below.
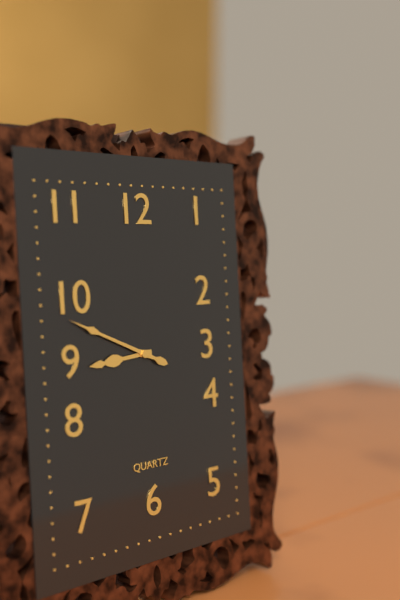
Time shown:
**8:49**
